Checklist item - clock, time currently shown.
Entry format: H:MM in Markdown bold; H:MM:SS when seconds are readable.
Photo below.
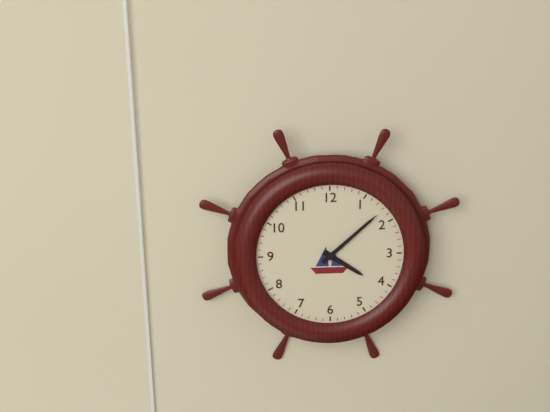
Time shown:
**4:08**
